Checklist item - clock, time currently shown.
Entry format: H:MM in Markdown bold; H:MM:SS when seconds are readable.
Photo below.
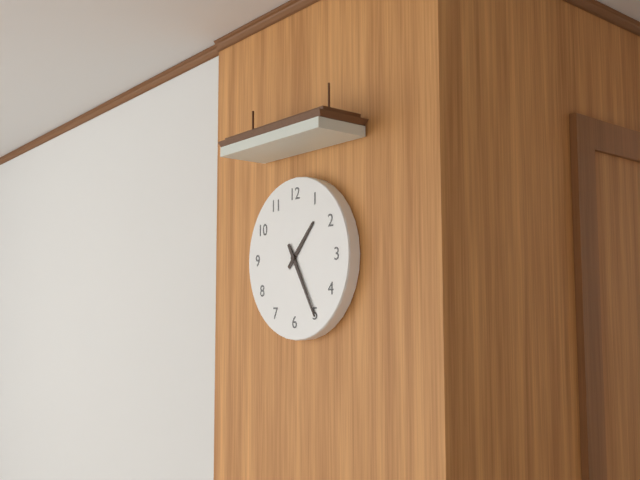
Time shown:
**1:25**
